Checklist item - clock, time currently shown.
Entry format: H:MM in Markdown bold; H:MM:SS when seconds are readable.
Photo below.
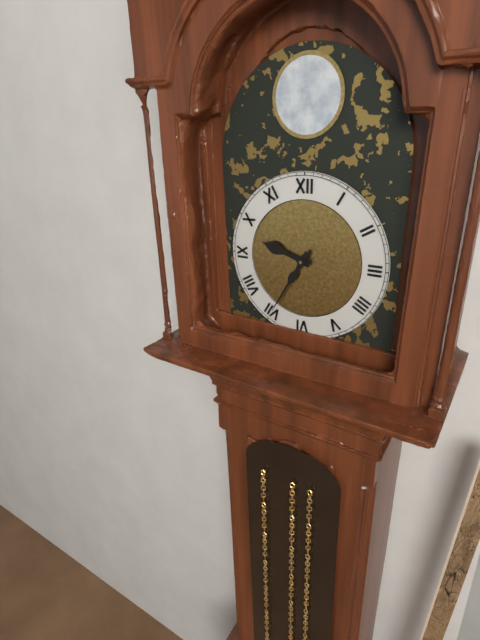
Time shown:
**9:35**
